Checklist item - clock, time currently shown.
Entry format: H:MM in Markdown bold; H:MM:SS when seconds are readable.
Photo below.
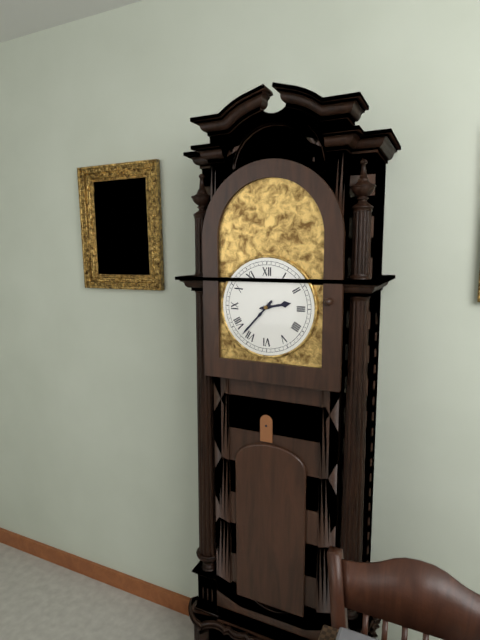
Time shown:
**2:37**
